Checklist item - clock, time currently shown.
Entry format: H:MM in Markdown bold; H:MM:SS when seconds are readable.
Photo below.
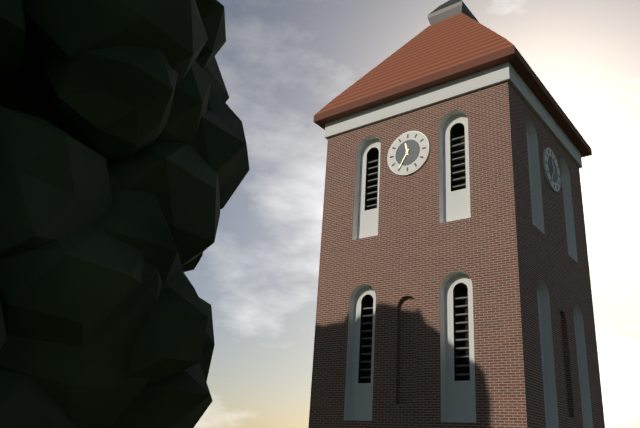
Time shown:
**11:35**
